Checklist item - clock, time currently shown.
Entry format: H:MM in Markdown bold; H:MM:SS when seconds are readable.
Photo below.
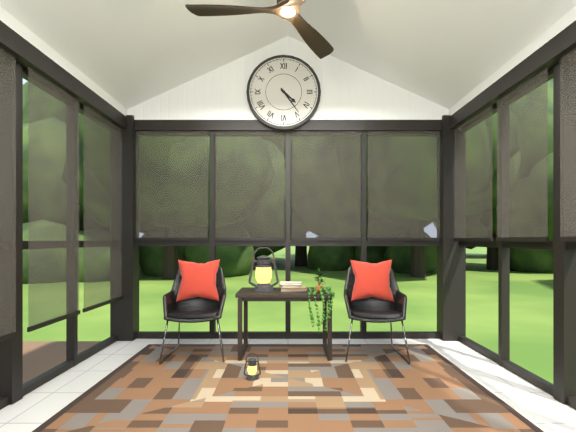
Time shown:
**4:24**
